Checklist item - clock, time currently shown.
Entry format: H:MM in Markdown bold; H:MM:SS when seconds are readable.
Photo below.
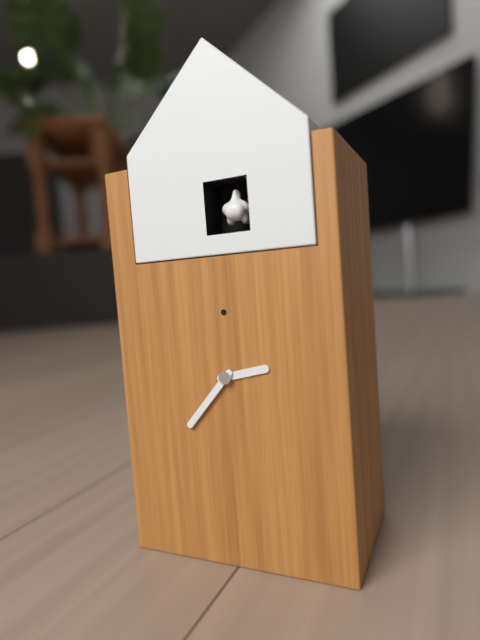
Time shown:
**2:37**
